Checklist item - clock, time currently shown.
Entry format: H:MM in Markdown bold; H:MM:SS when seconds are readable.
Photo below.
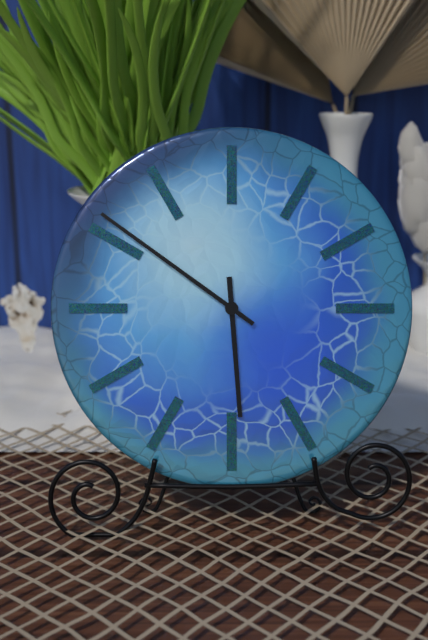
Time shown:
**5:51**
